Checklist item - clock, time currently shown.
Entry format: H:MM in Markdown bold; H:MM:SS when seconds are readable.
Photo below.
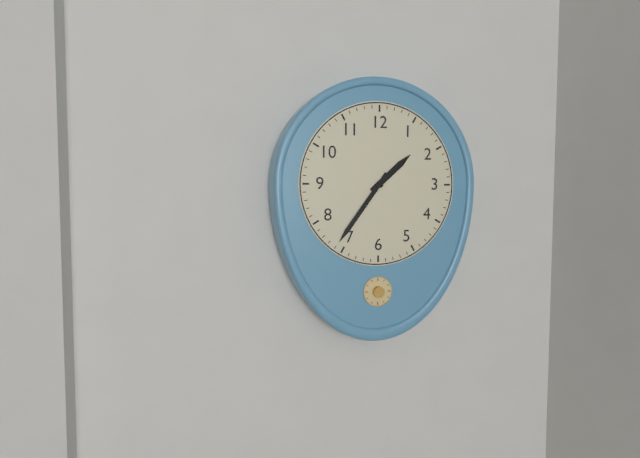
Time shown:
**1:36**
